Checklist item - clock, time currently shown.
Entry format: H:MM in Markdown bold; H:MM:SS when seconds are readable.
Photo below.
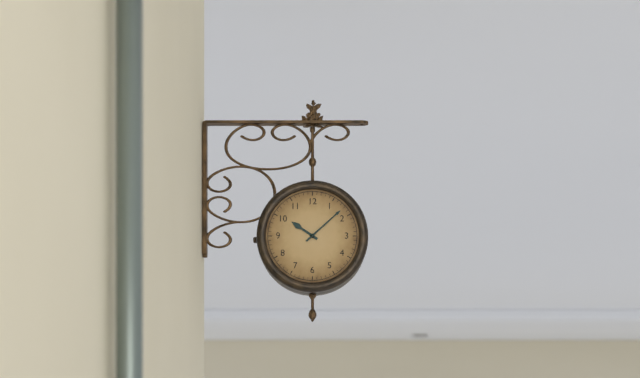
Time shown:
**10:08**
